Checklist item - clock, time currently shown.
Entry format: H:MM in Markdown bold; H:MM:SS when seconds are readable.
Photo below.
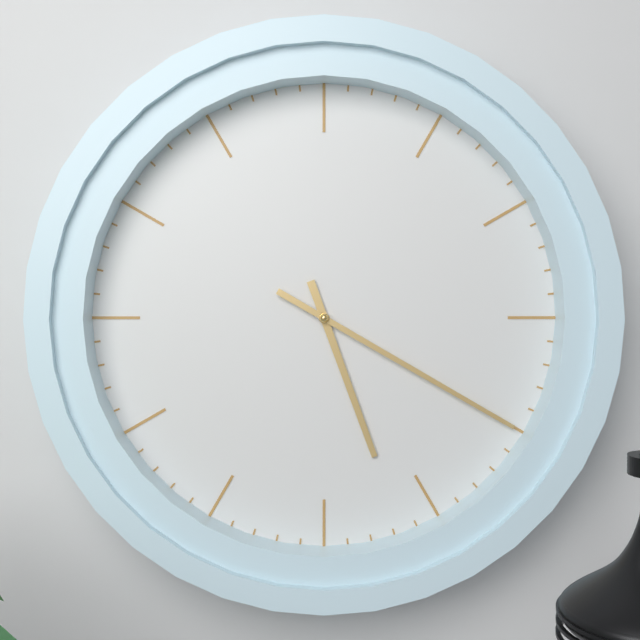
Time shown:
**5:20**
